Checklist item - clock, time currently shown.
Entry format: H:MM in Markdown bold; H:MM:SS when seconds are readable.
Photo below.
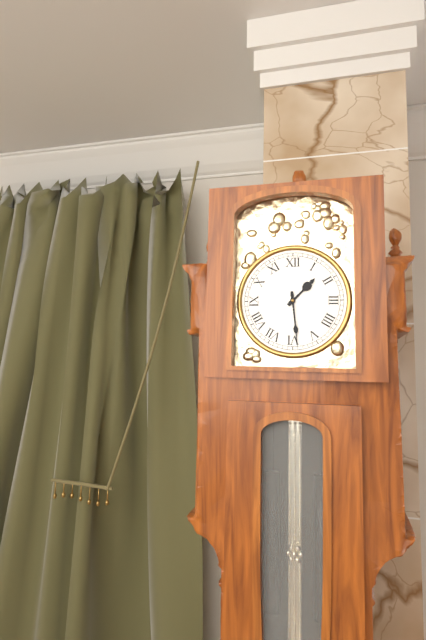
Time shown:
**1:29**
